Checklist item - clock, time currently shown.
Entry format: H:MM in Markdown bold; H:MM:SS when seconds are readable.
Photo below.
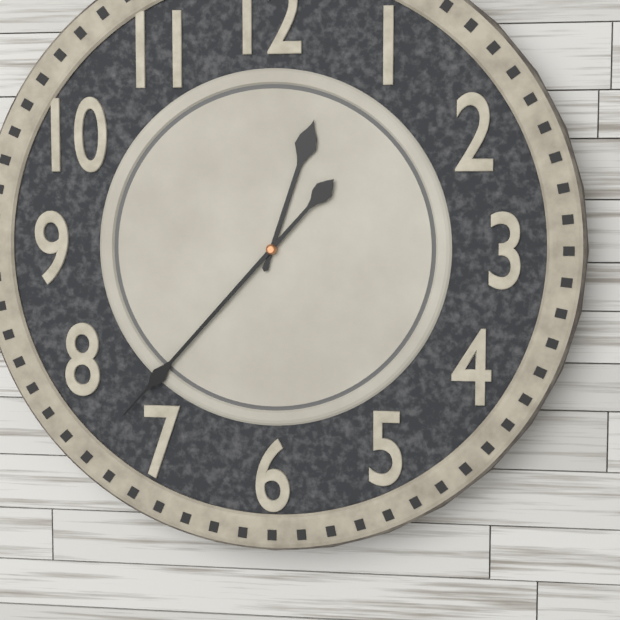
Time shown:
**12:37**
